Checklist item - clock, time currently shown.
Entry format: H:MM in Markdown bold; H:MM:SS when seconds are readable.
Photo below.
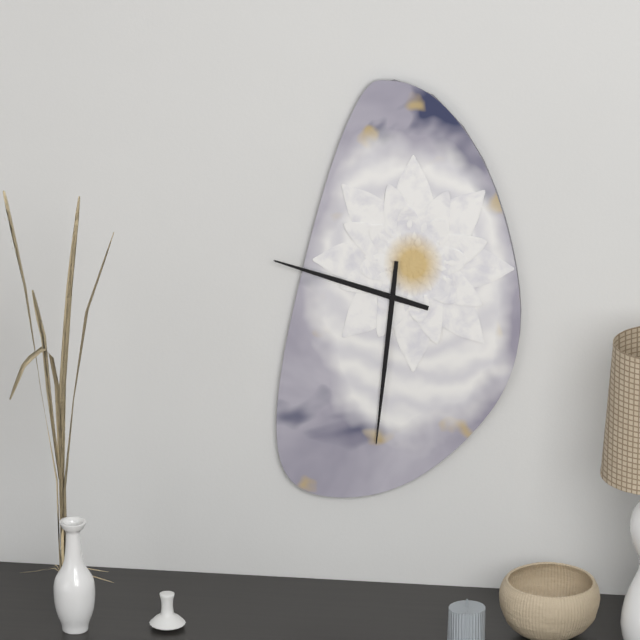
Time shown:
**9:31**
